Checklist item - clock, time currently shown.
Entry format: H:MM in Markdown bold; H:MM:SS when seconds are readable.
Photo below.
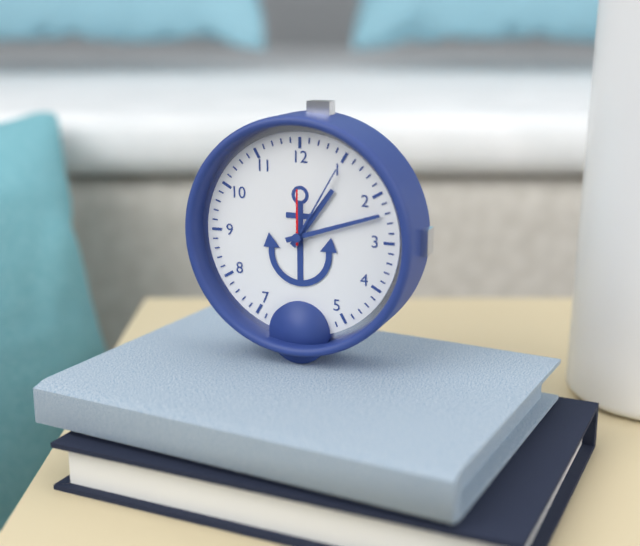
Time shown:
**1:12:00**
